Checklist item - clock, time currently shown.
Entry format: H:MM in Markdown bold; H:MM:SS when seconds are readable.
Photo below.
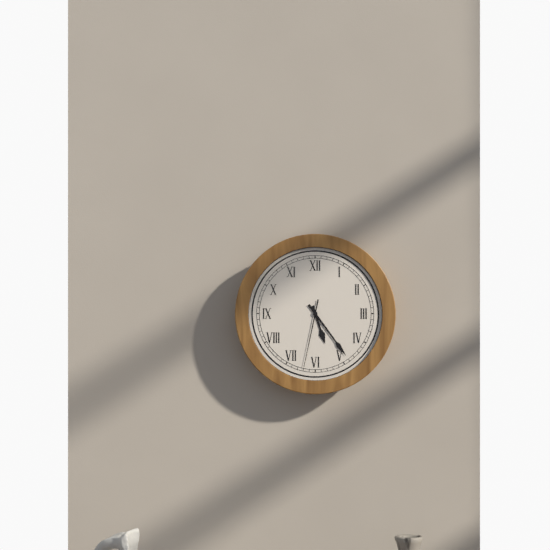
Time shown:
**5:24:32**
